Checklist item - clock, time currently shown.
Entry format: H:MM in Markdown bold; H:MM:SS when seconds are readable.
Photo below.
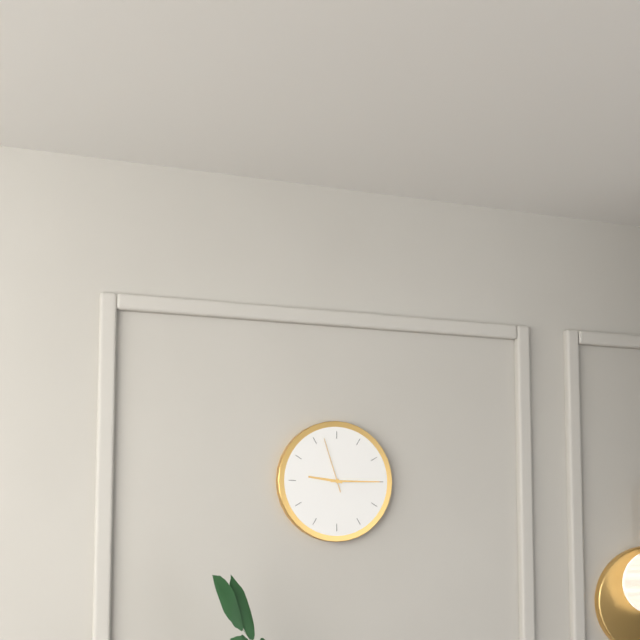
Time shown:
**9:15:57**
